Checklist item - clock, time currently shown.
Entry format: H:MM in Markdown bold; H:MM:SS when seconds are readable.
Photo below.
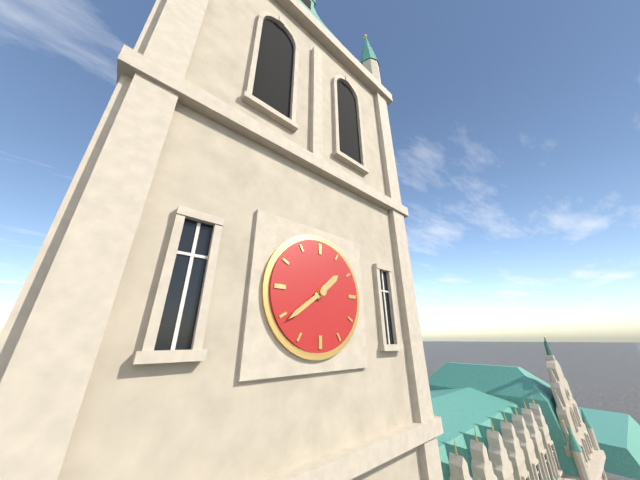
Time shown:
**1:39**
